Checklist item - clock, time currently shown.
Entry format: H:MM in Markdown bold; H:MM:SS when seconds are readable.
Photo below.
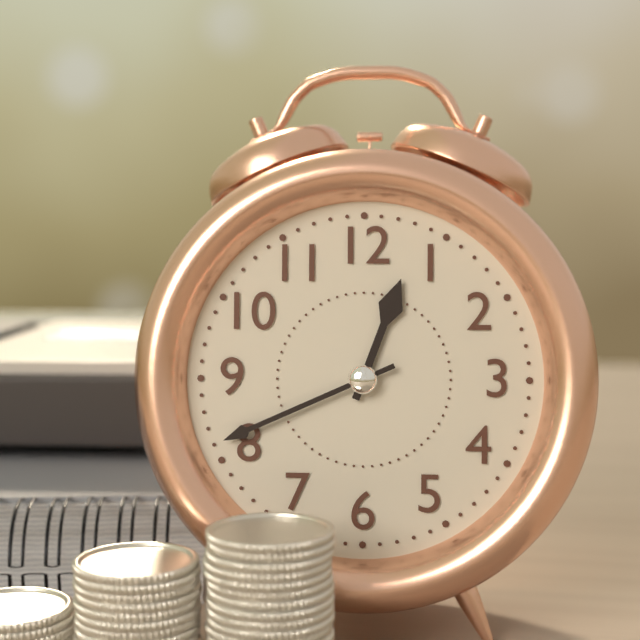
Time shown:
**12:41**
